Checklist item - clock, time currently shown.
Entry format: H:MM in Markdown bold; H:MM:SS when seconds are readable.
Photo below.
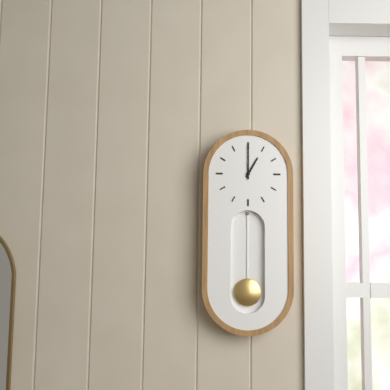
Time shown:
**1:00**
